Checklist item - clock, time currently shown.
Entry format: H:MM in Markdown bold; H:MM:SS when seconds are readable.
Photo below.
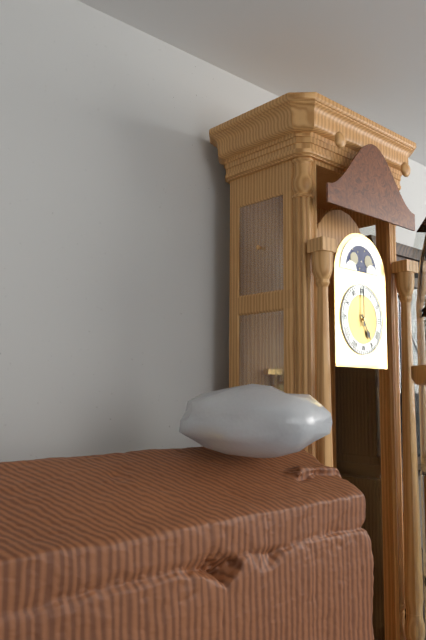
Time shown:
**5:00**
